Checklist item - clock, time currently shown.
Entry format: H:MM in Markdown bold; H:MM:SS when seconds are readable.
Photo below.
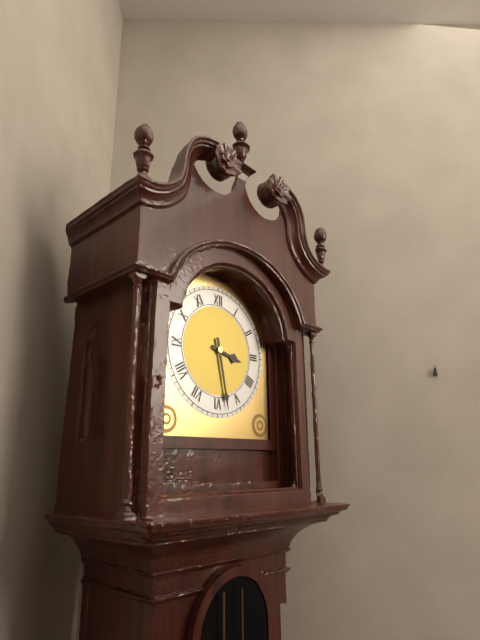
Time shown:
**3:28**
